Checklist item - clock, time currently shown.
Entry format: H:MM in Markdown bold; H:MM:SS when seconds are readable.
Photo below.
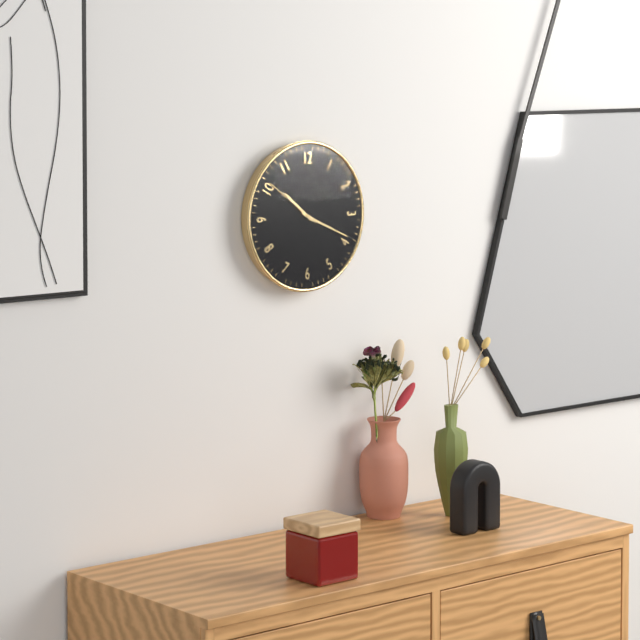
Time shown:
**10:19:51**
